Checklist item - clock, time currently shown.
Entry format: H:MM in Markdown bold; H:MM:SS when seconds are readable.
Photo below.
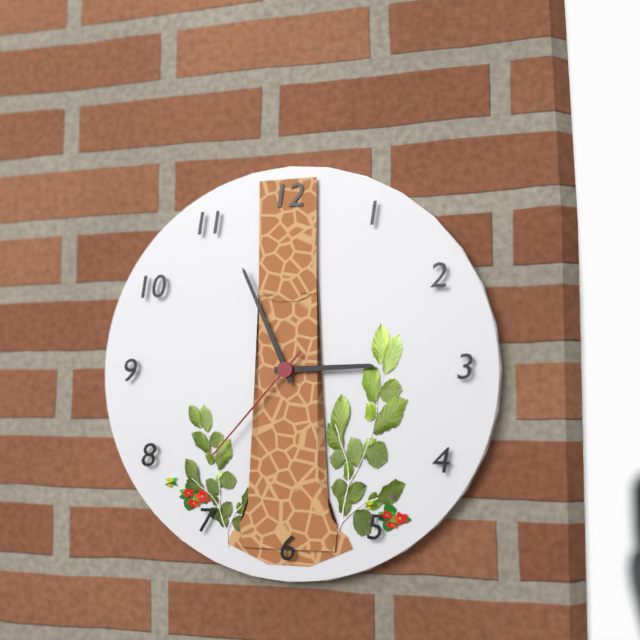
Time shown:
**2:56:37**
